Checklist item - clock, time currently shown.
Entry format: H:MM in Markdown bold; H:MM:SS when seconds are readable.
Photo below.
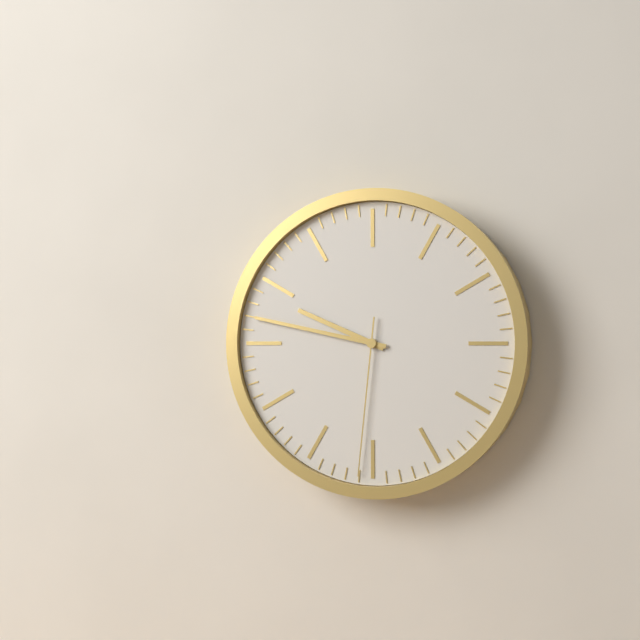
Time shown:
**9:47:31**
